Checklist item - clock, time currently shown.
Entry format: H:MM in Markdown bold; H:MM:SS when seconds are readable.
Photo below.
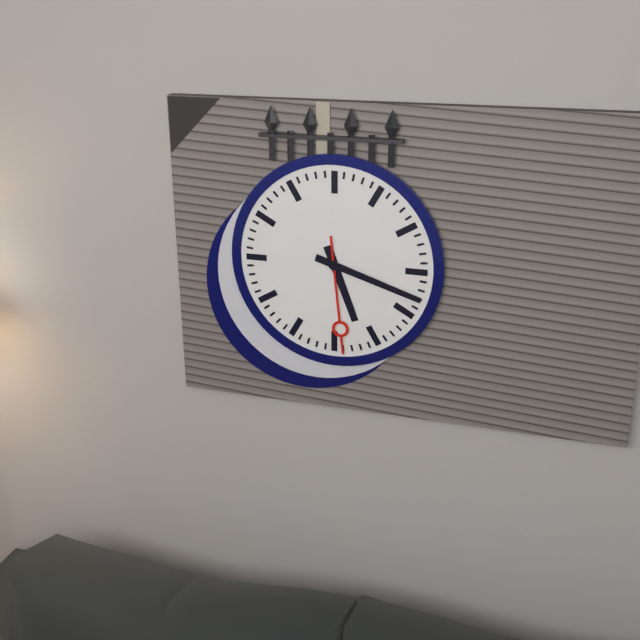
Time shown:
**5:18:29**
